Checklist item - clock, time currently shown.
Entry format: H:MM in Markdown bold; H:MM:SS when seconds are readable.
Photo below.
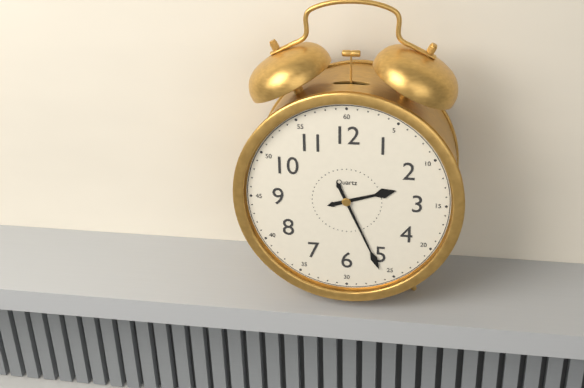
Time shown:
**2:26**
